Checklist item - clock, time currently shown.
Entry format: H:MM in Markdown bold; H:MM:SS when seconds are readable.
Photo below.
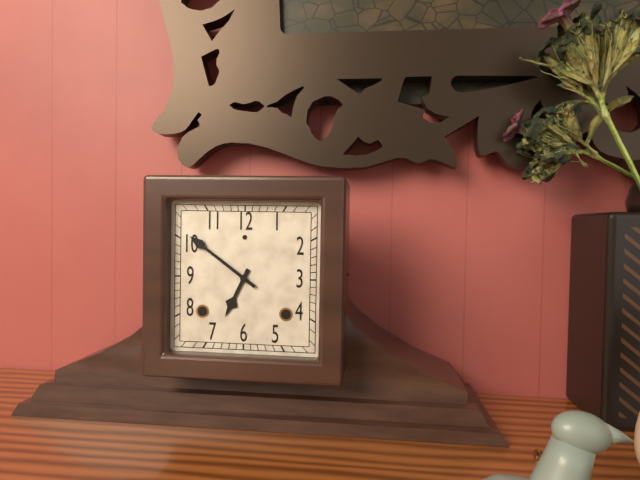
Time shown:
**6:51**
